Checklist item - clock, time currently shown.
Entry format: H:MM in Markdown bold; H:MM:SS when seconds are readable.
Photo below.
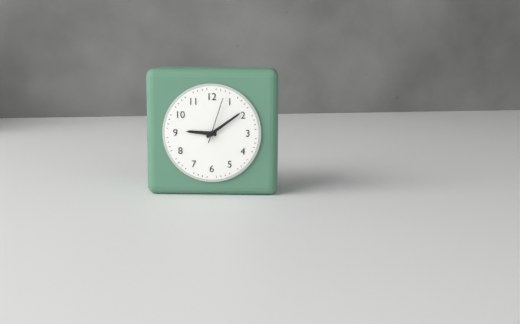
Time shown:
**9:09**
